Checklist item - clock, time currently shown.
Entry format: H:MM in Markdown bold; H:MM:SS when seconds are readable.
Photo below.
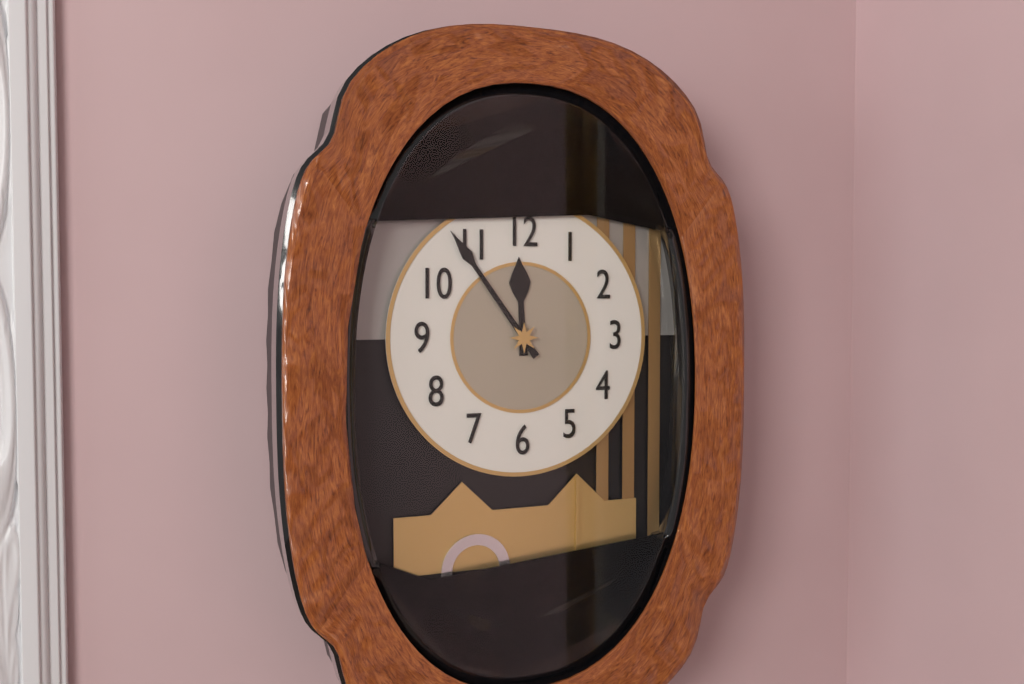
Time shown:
**11:54**
